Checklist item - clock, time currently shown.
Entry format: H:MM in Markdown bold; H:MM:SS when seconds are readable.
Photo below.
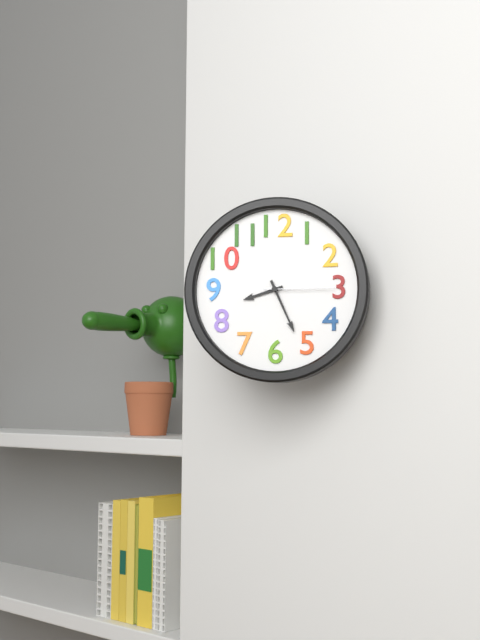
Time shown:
**8:26:15**
